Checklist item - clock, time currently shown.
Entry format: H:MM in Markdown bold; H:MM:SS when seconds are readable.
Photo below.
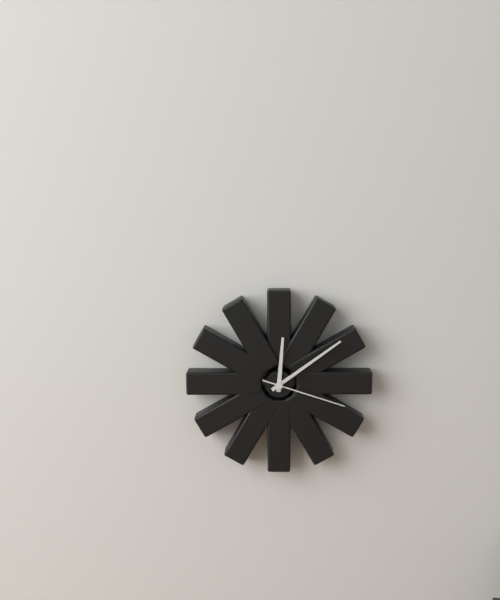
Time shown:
**12:09:18**
